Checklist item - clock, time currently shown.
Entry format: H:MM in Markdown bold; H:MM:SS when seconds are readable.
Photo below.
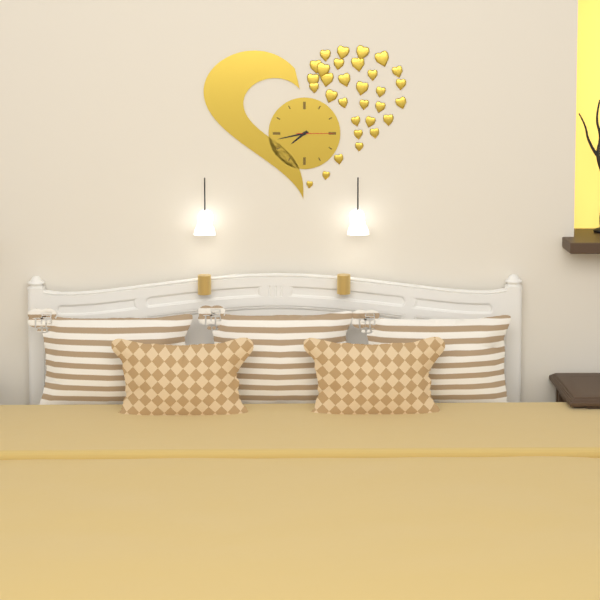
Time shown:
**7:43**
